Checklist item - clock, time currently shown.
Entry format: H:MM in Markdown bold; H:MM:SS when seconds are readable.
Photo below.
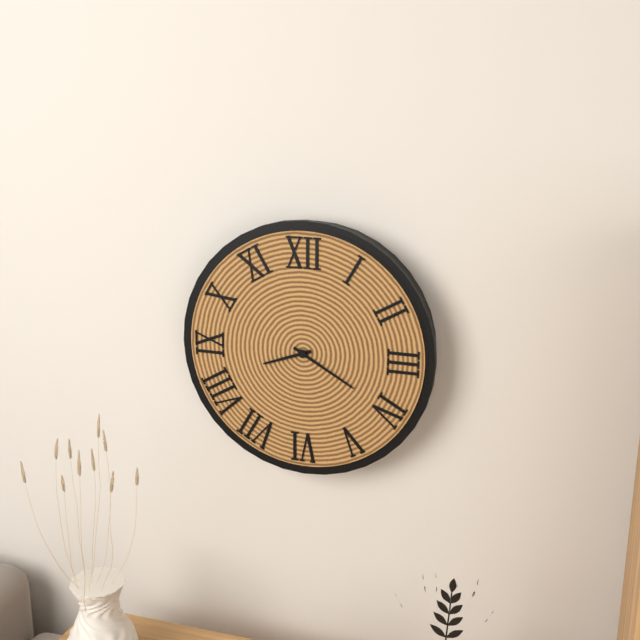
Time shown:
**8:20**
